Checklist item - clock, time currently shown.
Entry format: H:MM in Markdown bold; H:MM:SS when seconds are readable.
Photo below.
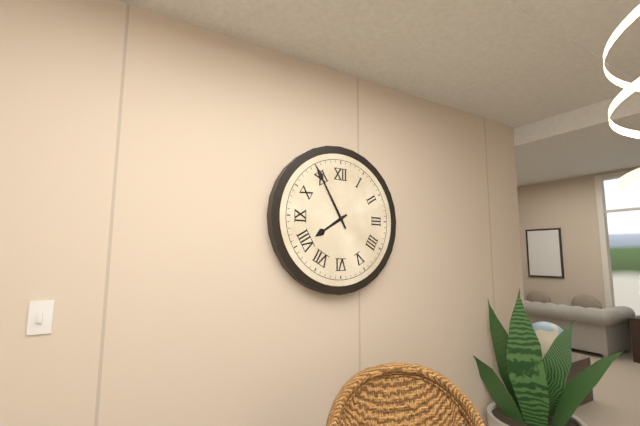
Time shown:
**7:55**
